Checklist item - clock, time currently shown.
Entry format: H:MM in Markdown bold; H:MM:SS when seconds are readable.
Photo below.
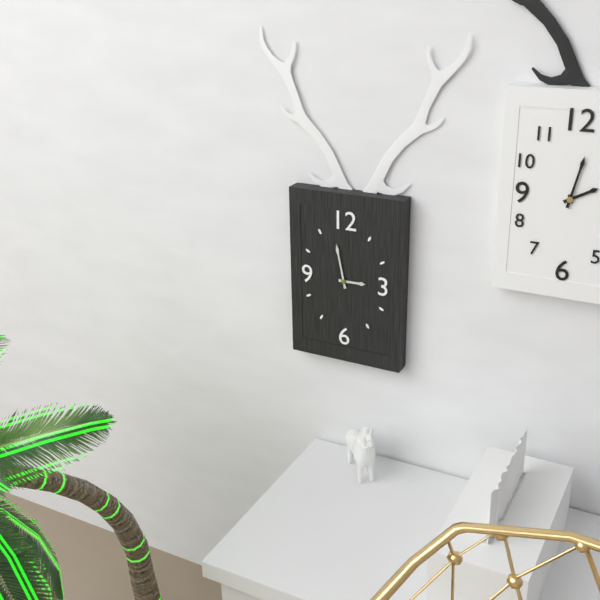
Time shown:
**2:58**
